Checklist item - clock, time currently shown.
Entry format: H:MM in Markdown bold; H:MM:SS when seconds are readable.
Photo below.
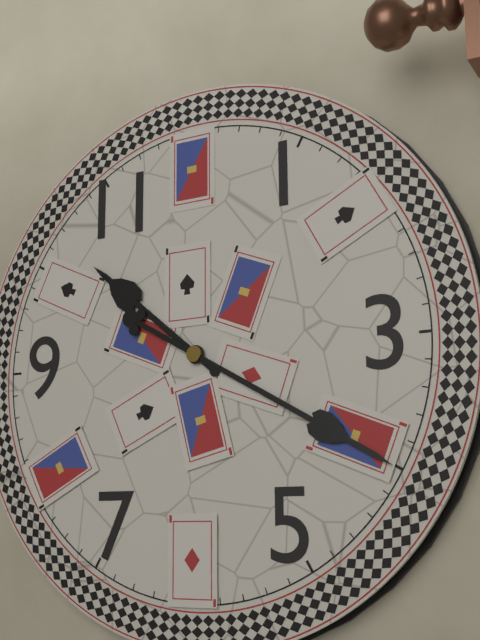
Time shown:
**10:20**
